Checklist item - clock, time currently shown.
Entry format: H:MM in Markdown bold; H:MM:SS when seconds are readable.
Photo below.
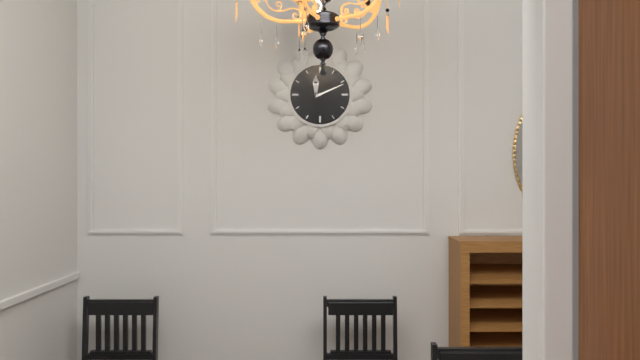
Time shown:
**2:11**
